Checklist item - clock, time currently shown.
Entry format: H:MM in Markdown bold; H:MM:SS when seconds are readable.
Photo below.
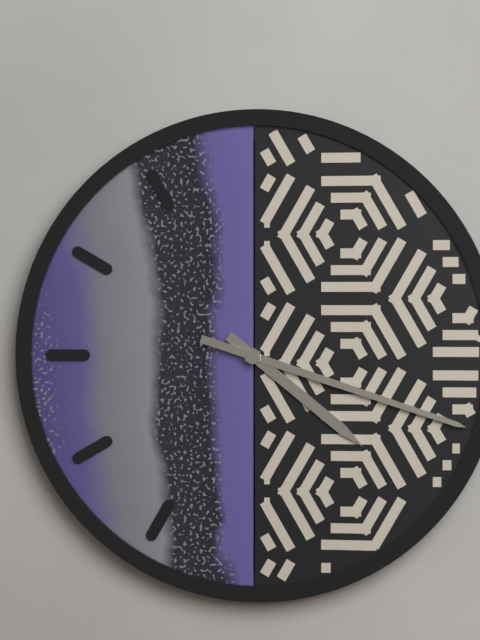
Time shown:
**4:18**
